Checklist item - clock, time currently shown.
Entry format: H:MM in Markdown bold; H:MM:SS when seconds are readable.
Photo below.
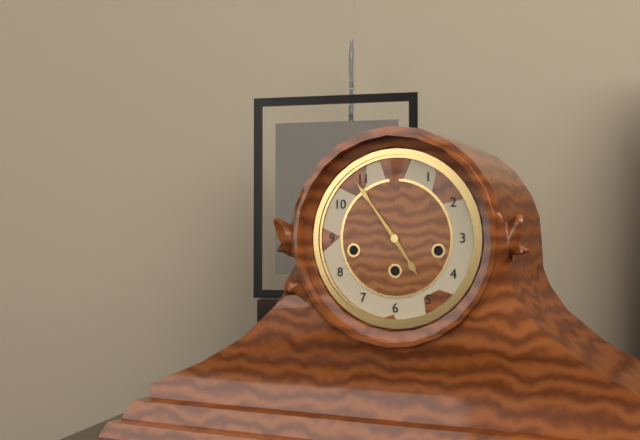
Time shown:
**4:54**
